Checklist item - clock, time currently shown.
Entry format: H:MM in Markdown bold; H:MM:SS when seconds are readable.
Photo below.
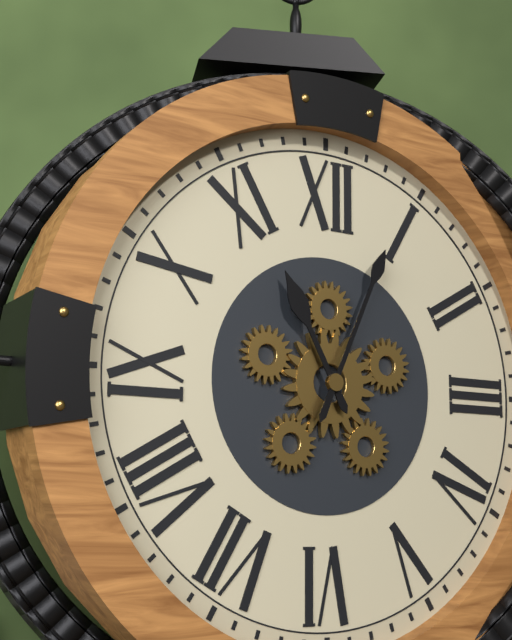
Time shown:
**11:04**
